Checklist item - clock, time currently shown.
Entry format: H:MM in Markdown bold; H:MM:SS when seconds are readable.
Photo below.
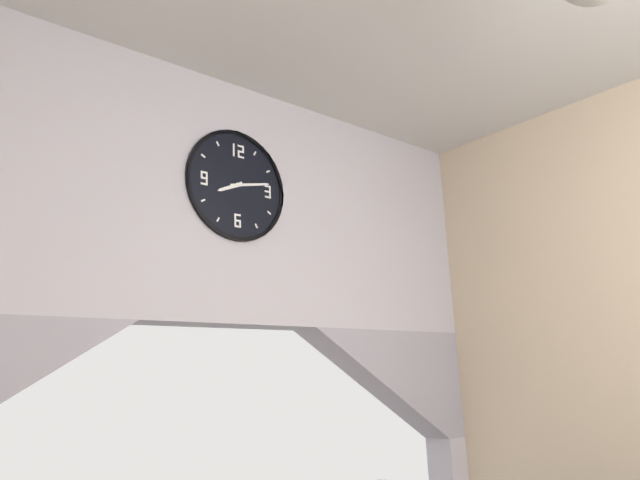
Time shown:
**8:13**
